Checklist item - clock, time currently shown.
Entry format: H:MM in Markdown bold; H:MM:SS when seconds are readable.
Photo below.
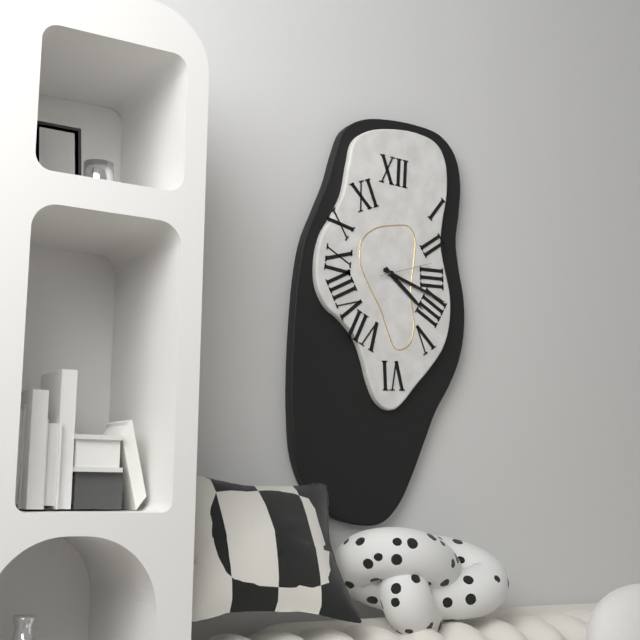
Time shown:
**4:18:12**
